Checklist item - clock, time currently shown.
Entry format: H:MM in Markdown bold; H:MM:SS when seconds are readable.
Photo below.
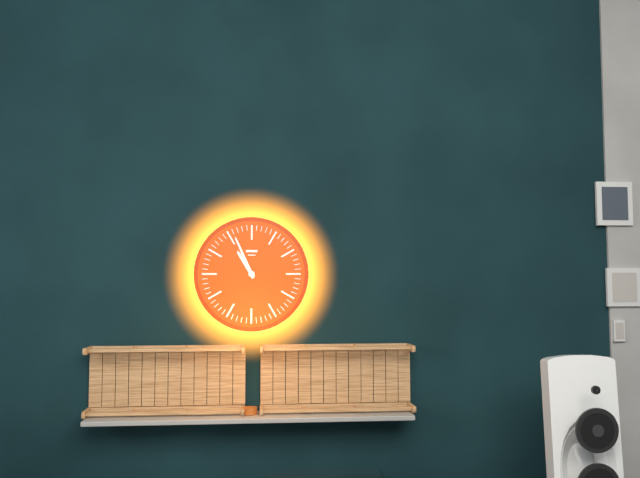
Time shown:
**10:56**
